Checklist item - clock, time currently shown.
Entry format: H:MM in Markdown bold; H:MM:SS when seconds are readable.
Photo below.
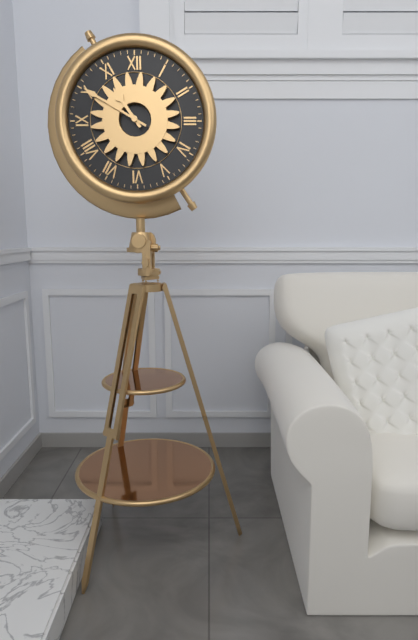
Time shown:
**10:50**
